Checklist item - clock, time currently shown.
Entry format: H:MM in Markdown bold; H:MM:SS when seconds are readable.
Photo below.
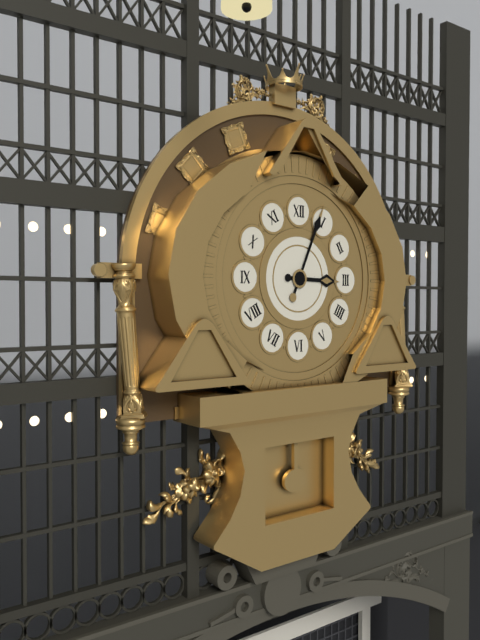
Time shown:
**3:04**
